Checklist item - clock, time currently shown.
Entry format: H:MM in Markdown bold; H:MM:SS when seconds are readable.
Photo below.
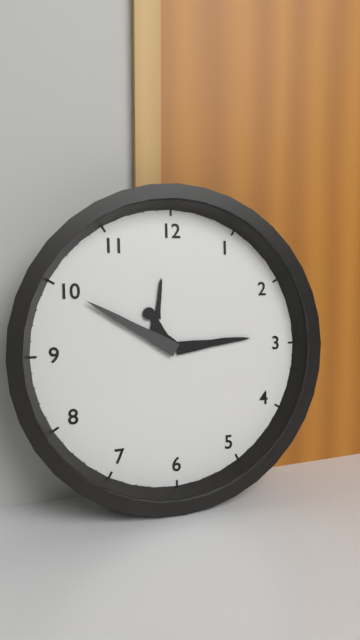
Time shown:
**2:50**
